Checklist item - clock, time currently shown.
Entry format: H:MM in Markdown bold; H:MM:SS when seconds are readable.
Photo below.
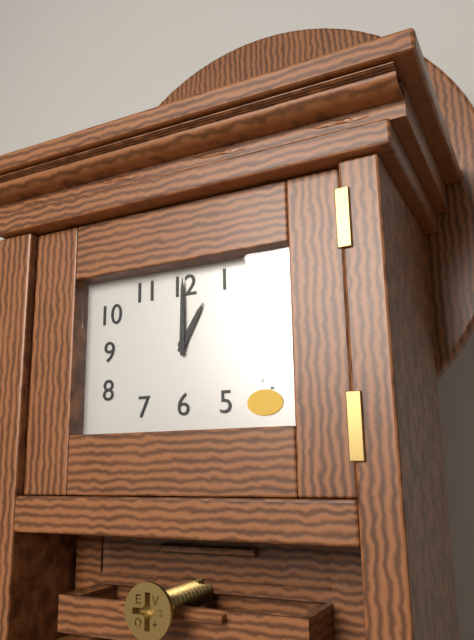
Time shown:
**1:00**
